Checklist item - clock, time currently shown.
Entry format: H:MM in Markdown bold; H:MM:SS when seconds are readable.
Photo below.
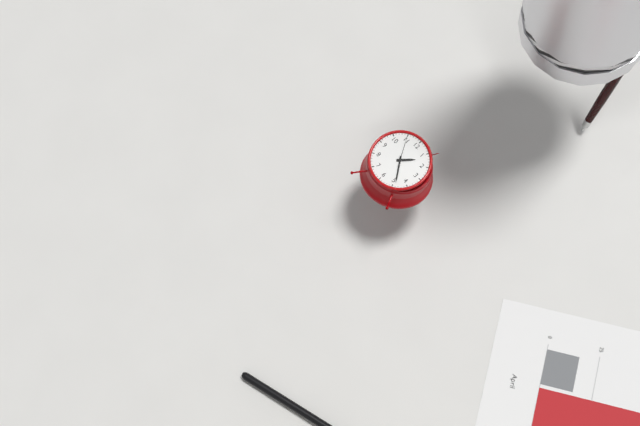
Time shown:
**1:24**
